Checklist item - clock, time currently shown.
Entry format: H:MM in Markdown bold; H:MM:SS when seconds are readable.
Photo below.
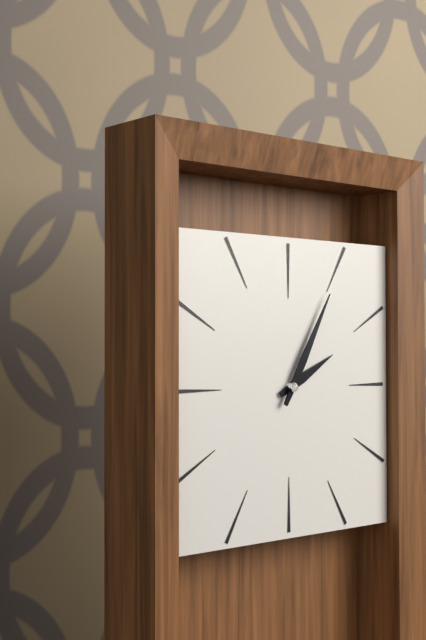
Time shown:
**2:05**
